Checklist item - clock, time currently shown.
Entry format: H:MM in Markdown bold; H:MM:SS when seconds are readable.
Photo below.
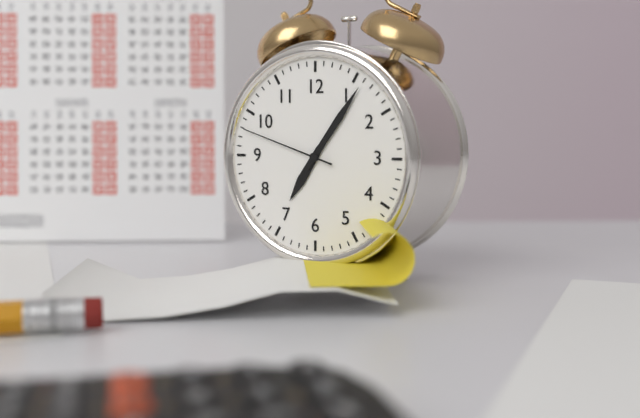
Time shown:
**7:06:48**
